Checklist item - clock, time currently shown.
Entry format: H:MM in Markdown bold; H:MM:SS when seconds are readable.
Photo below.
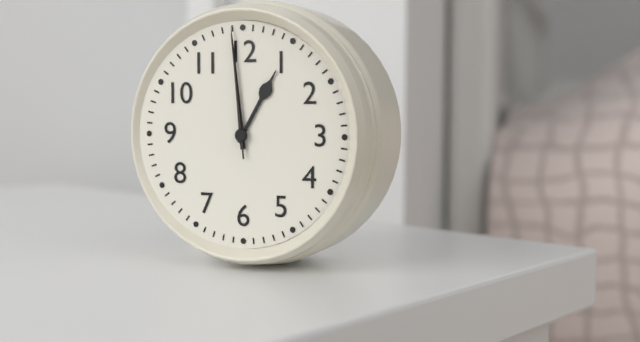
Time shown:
**12:59:59**
